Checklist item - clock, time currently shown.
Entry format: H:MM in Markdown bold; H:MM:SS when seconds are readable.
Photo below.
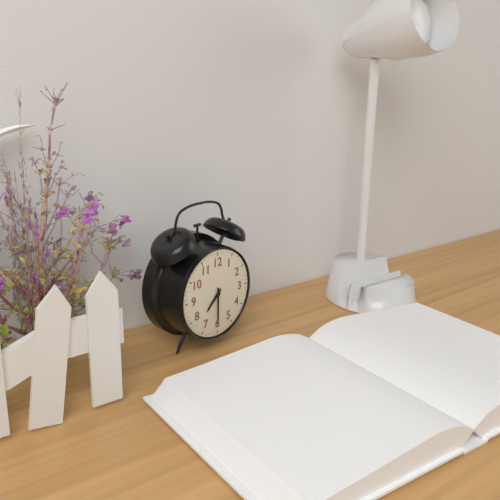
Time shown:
**7:30**
